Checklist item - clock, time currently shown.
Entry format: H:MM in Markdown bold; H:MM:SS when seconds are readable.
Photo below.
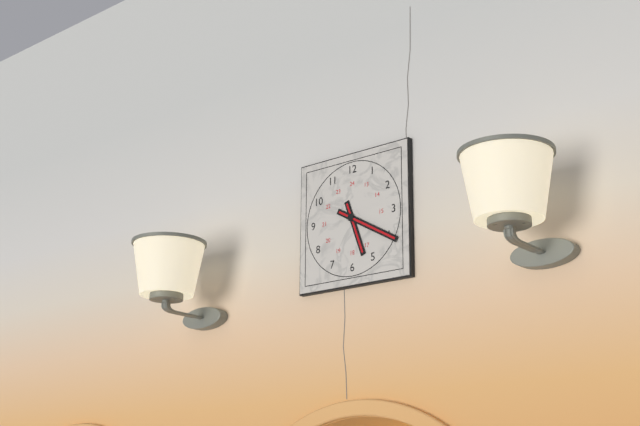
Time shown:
**5:20**
